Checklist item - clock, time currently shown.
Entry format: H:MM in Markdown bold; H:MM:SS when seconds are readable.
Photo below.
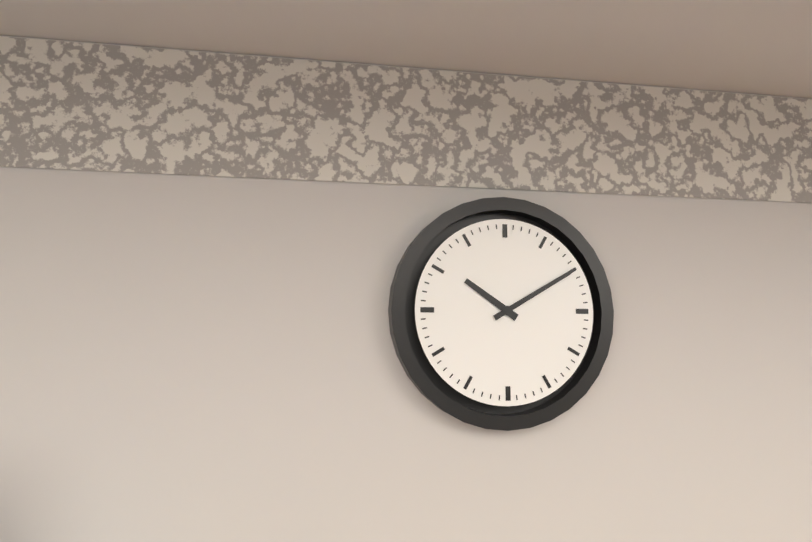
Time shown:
**10:10**
